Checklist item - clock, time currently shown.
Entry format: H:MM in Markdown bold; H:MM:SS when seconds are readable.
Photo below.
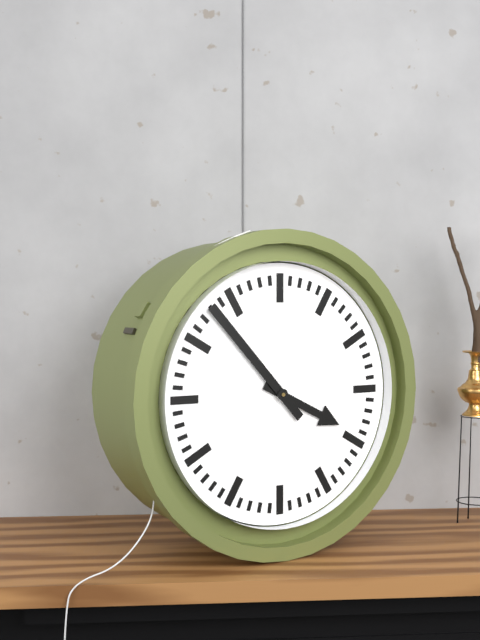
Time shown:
**3:53**
